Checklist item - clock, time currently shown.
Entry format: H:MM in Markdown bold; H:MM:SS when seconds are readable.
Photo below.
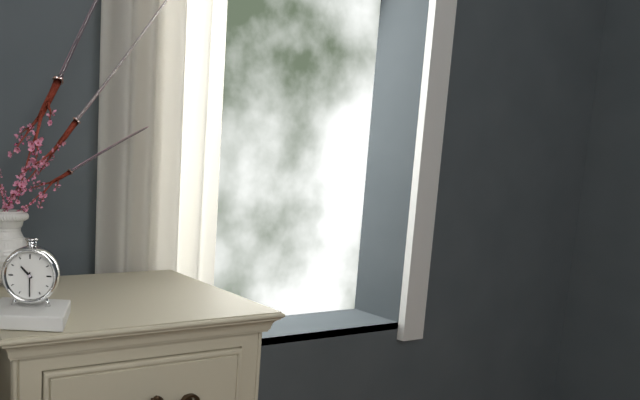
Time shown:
**10:30**
